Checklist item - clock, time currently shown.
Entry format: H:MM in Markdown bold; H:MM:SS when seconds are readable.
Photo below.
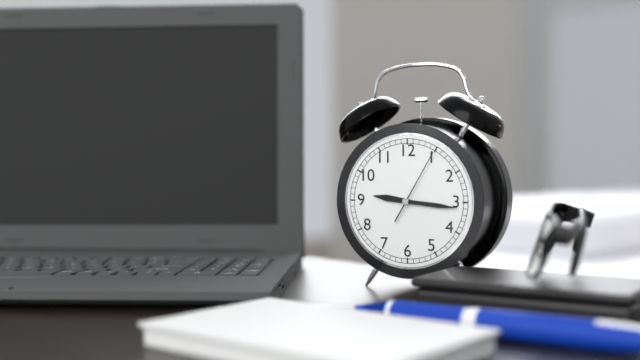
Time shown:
**9:16:05**
